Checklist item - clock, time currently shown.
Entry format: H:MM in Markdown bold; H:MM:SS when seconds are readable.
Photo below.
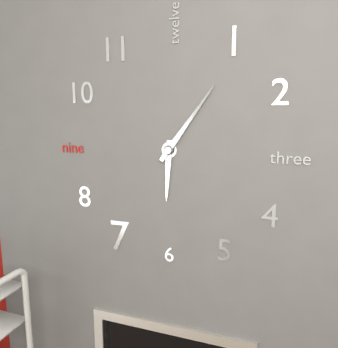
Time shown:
**6:06**
